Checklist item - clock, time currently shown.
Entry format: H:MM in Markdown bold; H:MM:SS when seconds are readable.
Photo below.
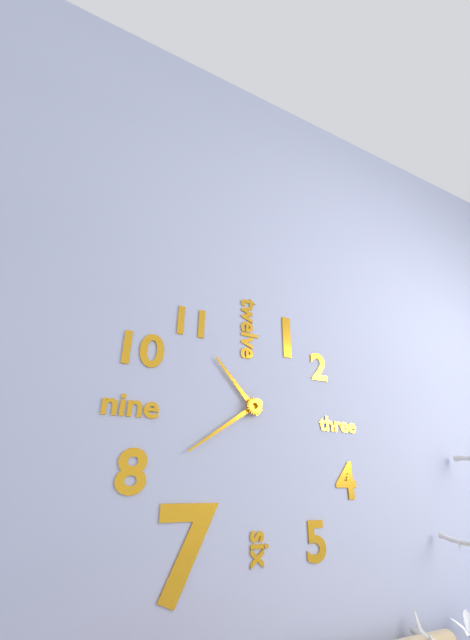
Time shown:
**10:39**
